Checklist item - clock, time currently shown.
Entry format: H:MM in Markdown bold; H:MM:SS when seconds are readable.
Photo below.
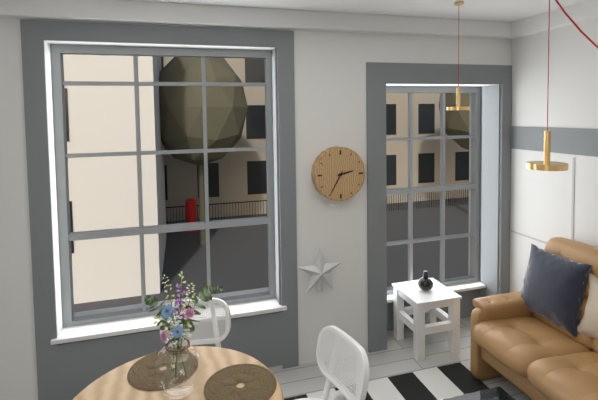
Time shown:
**2:35**
